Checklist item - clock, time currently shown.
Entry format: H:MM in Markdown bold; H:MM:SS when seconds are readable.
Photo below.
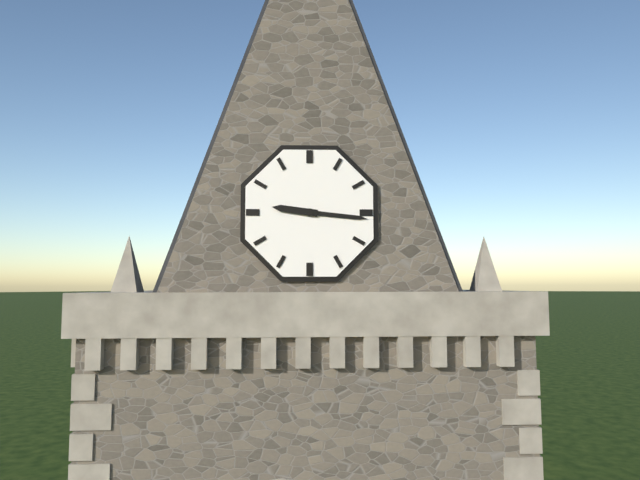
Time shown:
**9:16**
